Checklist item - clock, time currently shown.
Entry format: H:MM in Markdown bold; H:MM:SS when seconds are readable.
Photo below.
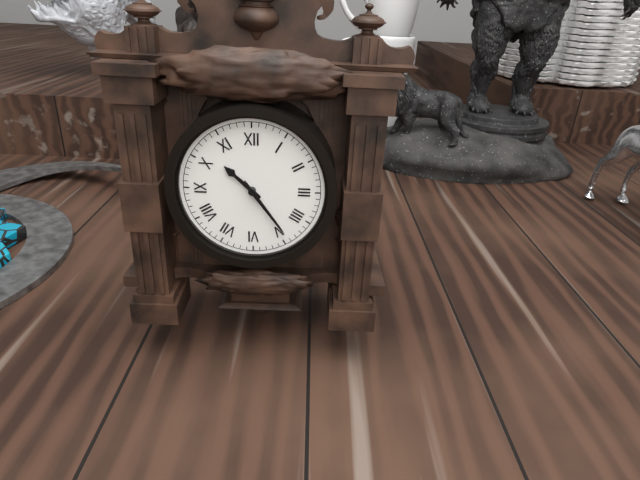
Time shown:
**10:24**
